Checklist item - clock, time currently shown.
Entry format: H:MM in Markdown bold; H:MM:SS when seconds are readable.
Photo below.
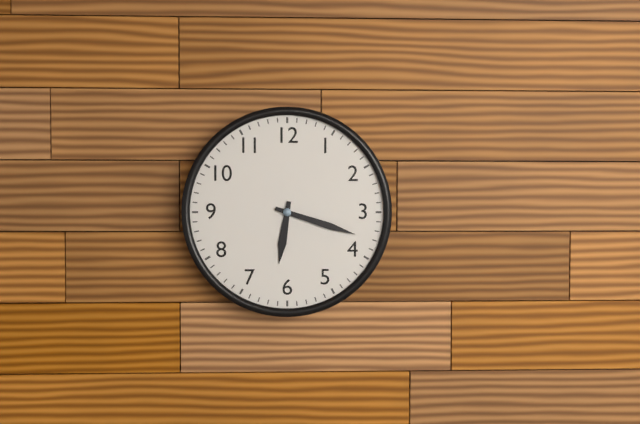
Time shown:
**6:18**
